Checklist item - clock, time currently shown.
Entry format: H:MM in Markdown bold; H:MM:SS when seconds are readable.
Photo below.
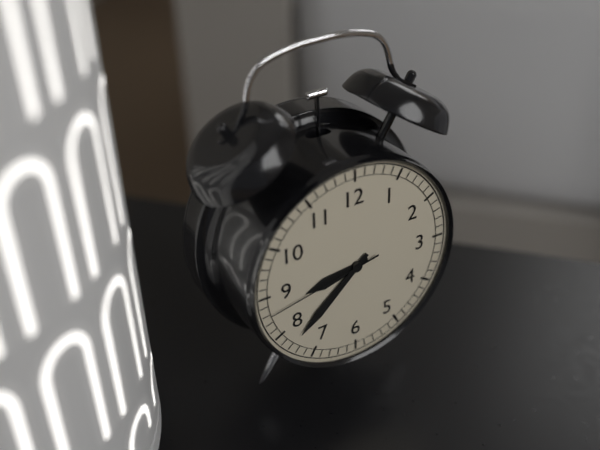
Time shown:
**8:38:43**
